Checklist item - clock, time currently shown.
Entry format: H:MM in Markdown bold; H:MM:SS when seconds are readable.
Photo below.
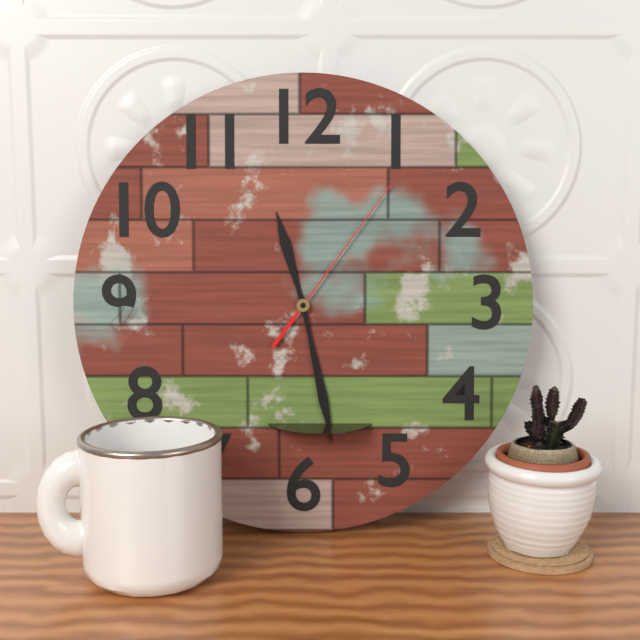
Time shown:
**11:28:06**
